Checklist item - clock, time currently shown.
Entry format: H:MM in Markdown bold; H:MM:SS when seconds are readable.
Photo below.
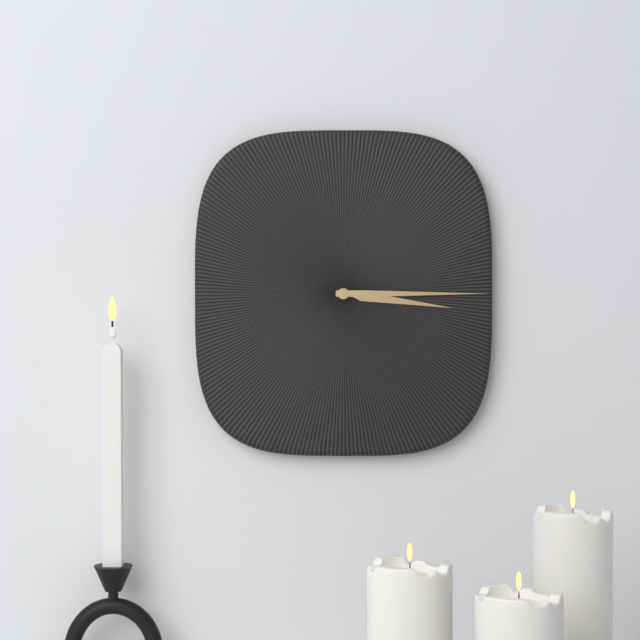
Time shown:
**3:15**
